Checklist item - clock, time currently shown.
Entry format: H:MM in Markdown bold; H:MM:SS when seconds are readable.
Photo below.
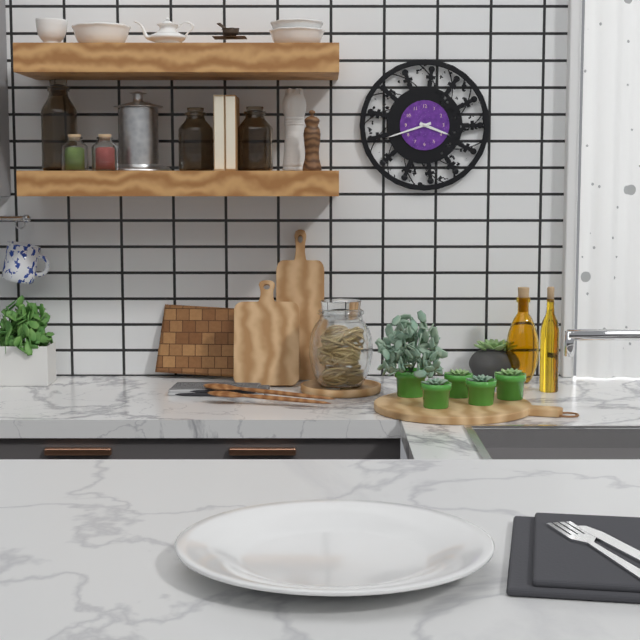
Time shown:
**3:42**
